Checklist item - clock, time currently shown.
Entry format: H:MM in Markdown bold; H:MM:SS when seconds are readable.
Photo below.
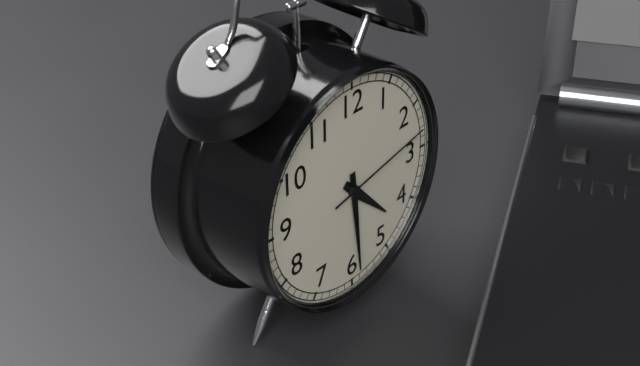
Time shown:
**4:29:13**
